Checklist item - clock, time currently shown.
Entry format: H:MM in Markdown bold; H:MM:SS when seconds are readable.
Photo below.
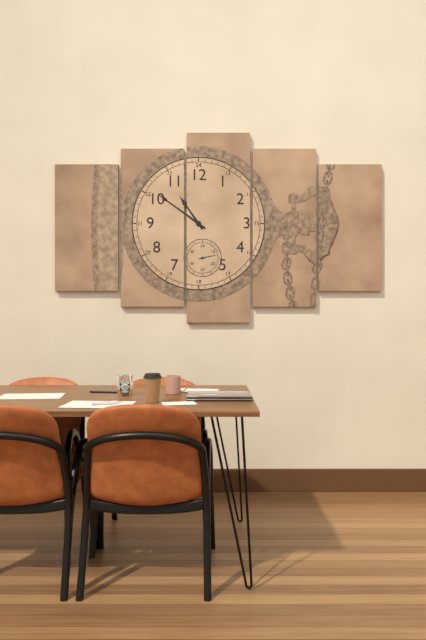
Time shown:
**10:51**
